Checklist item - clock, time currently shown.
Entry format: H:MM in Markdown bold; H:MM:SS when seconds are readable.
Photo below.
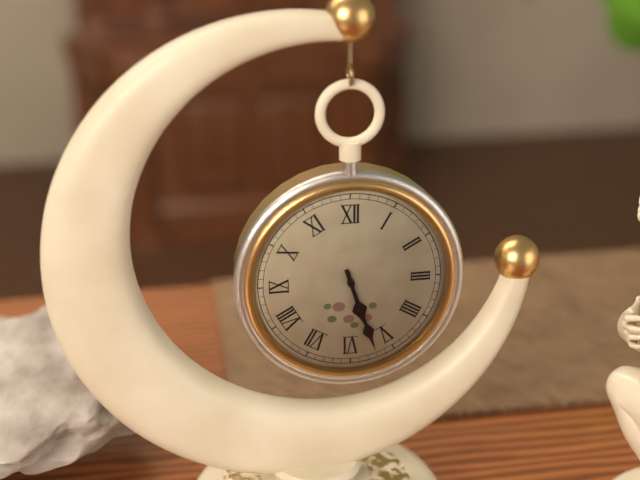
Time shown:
**5:27**
